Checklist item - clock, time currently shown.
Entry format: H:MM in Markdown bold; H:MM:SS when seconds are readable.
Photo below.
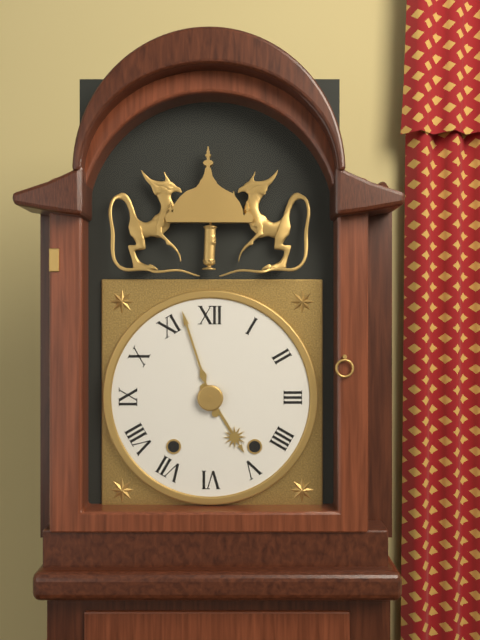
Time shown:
**4:57**
